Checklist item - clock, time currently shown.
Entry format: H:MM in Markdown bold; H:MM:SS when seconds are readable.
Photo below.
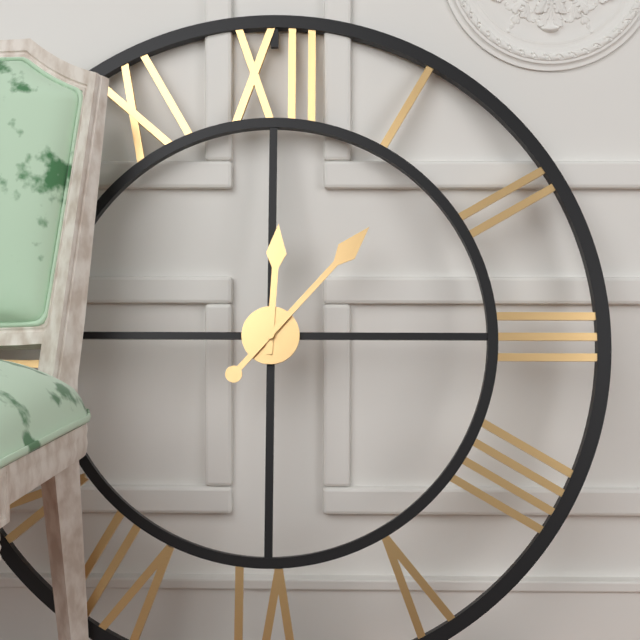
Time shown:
**12:07**
